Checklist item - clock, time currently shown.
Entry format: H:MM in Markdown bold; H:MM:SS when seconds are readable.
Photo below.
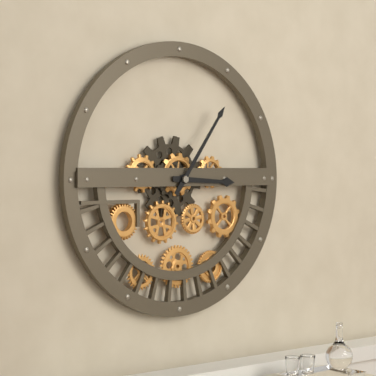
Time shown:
**3:06**
